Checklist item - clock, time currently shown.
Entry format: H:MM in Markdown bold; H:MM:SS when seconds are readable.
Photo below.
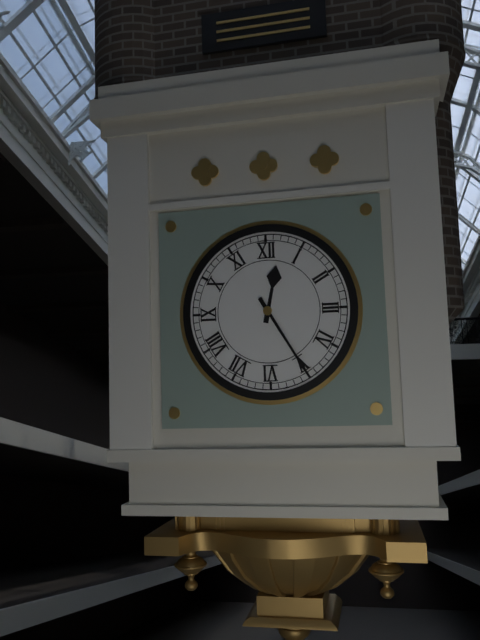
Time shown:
**12:25**
